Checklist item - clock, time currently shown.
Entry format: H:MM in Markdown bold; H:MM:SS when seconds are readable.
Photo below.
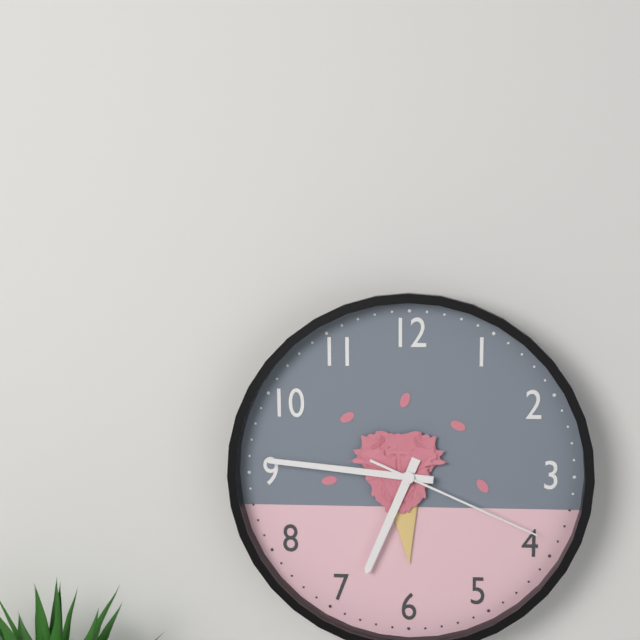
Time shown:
**6:46:19**
